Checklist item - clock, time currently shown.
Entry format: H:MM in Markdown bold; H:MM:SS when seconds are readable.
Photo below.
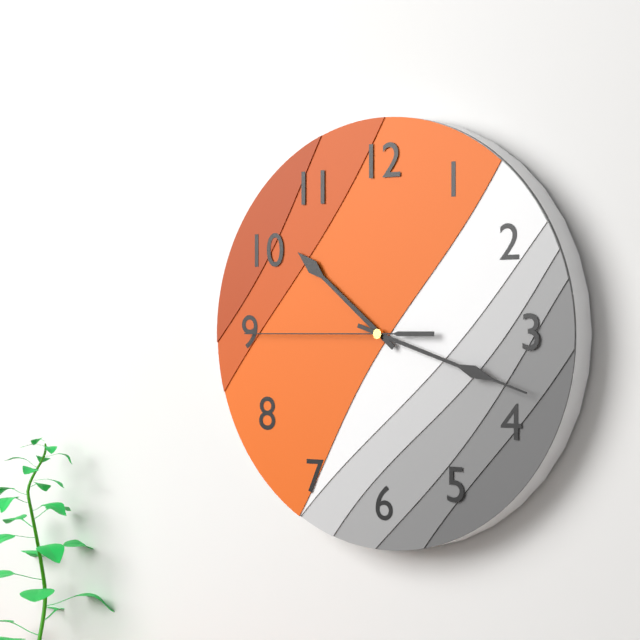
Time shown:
**10:18:45**
